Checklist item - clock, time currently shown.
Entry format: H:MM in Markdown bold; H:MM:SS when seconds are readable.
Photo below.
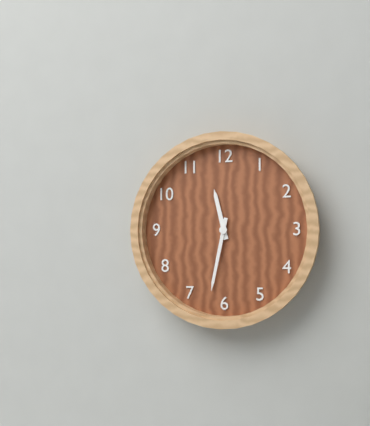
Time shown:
**11:32**
